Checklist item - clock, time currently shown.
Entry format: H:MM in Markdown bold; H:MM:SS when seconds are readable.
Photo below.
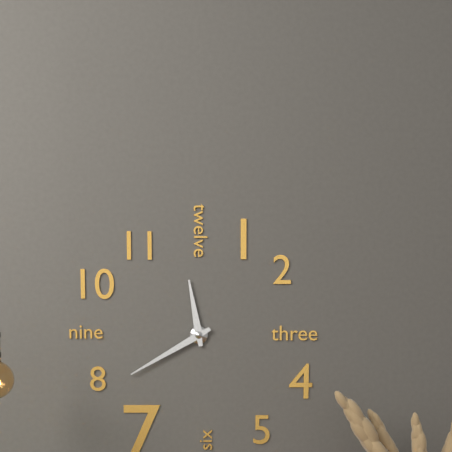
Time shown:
**11:40**
